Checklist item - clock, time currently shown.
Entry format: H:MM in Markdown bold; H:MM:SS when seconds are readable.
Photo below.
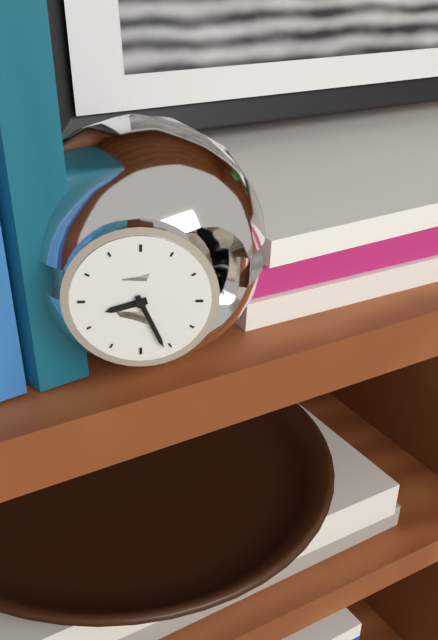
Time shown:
**8:26**
